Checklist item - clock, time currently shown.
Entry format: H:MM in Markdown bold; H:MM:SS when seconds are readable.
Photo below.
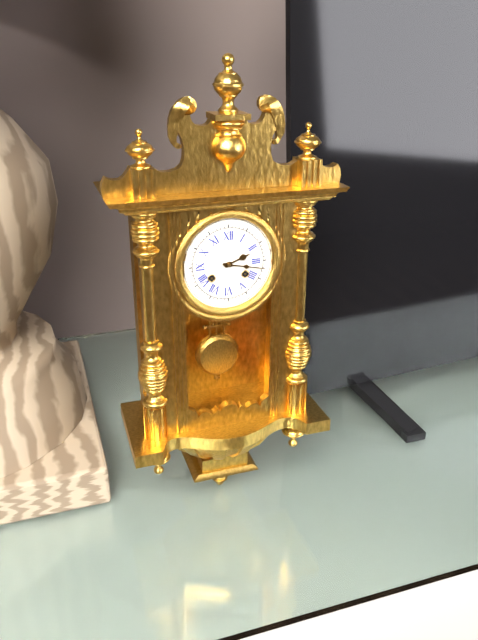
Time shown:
**2:17**
